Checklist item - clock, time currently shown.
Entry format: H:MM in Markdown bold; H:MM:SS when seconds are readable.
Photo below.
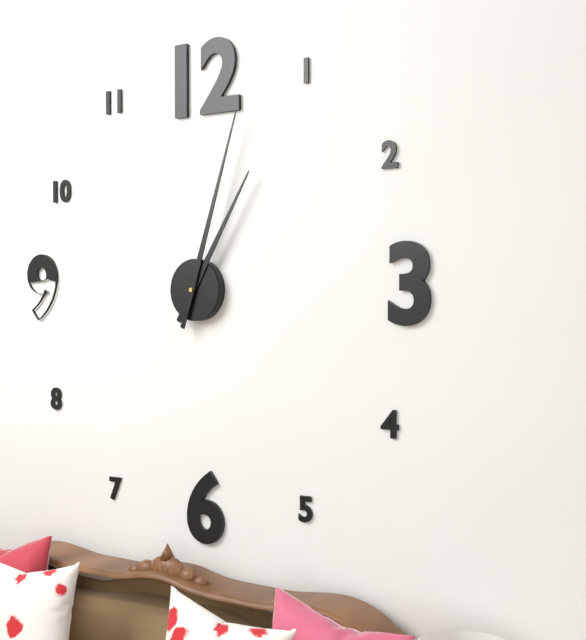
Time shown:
**1:03**
